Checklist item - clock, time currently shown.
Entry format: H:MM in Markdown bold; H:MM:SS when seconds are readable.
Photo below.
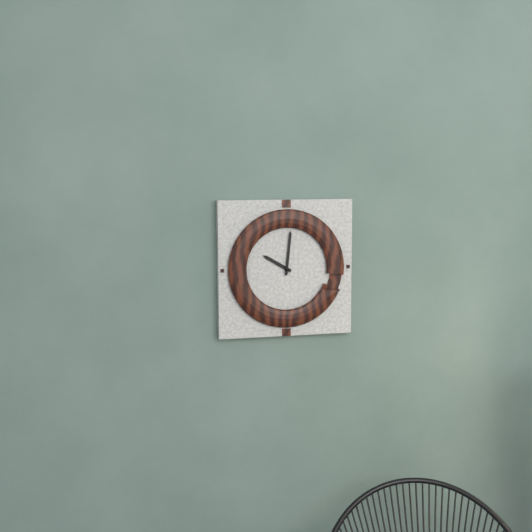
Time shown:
**10:01**
